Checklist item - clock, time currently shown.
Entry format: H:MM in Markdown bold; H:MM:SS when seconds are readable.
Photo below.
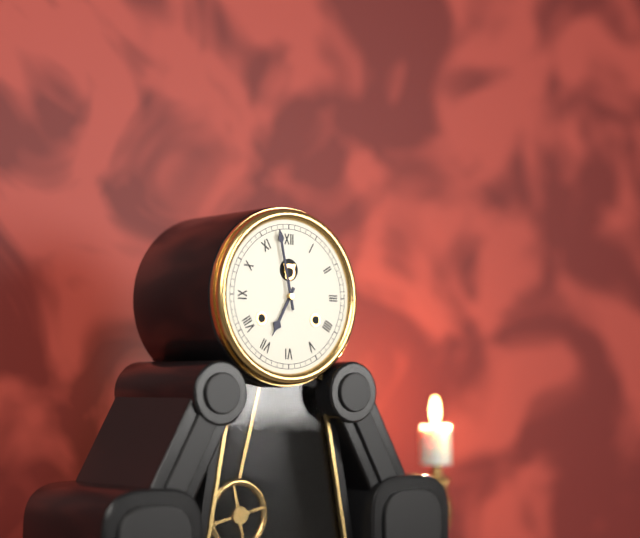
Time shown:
**6:58**
